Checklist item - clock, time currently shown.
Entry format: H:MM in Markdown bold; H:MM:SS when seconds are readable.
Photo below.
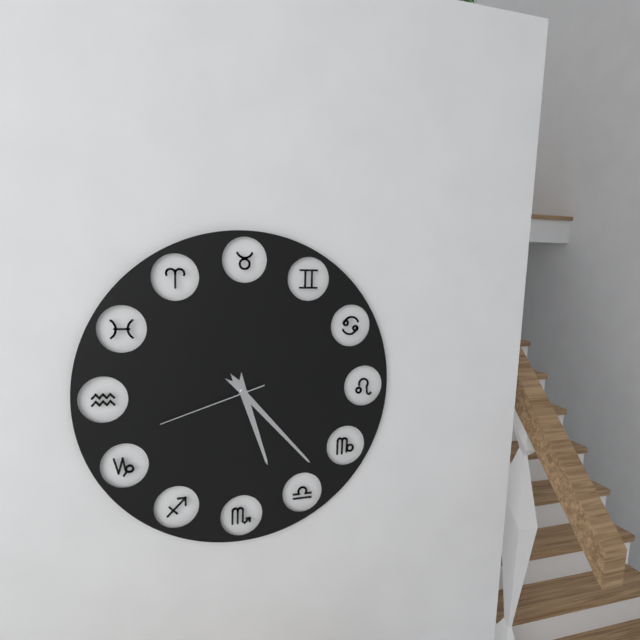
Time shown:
**5:23:42**
